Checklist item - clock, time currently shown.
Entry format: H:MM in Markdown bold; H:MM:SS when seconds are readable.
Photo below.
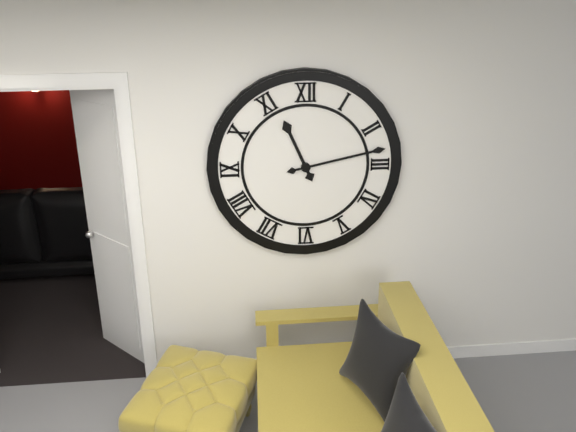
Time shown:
**11:13**
